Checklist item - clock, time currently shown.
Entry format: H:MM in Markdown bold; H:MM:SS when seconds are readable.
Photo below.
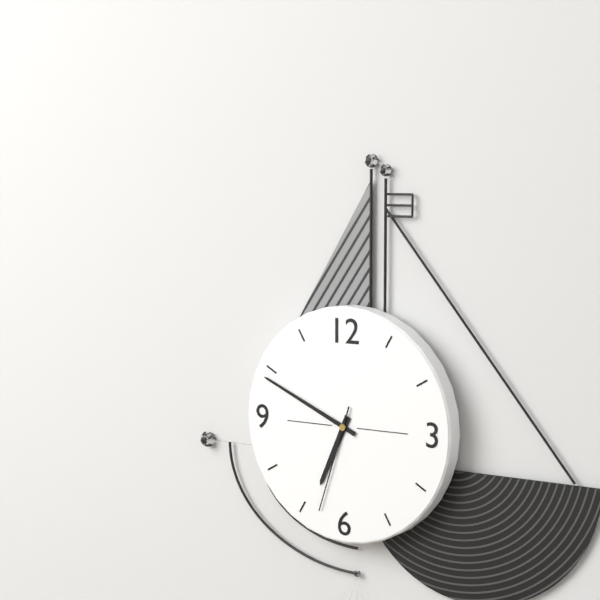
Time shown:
**6:49:33**
